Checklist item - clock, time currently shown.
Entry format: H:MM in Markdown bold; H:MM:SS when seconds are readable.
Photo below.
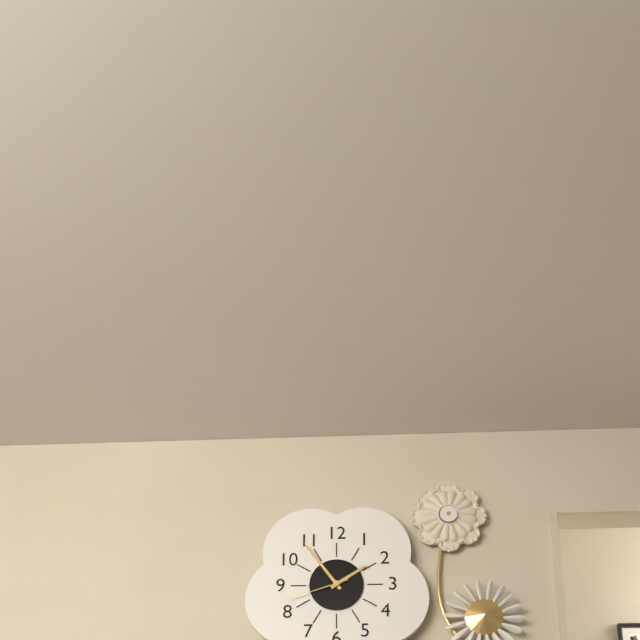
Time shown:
**1:54:42**
